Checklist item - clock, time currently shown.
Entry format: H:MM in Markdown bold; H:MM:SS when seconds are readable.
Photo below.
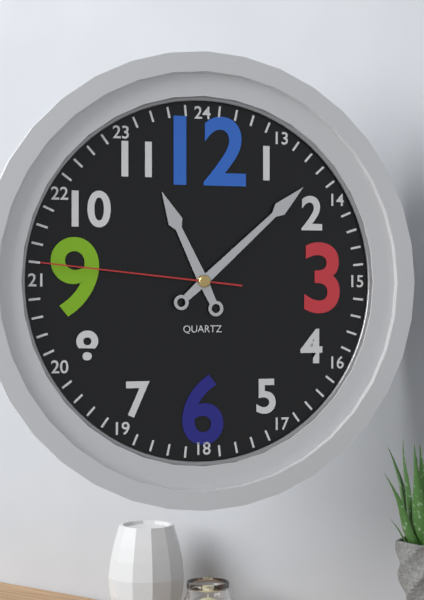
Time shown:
**11:08:46**
